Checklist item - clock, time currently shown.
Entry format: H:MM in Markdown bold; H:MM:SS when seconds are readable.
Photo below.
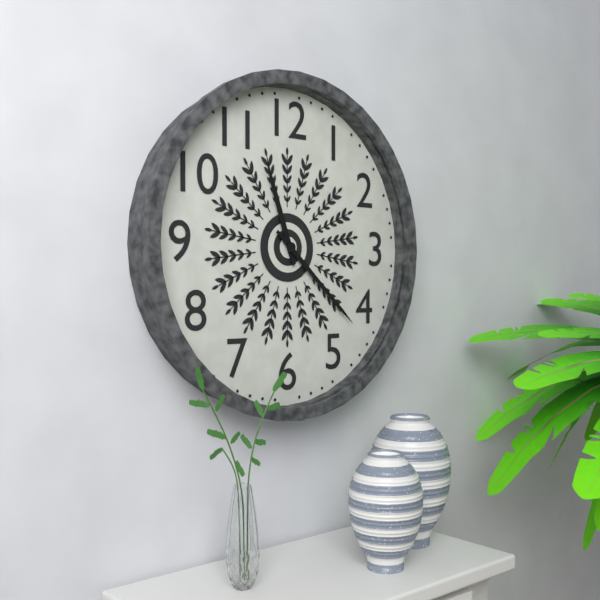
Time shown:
**11:22**
